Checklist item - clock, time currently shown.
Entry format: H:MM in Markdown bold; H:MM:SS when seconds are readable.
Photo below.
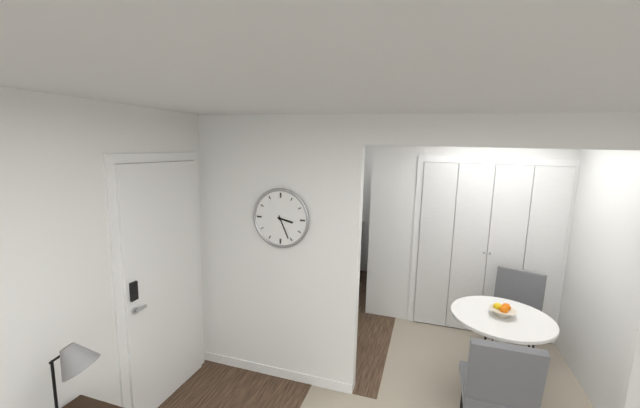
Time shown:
**3:26**
